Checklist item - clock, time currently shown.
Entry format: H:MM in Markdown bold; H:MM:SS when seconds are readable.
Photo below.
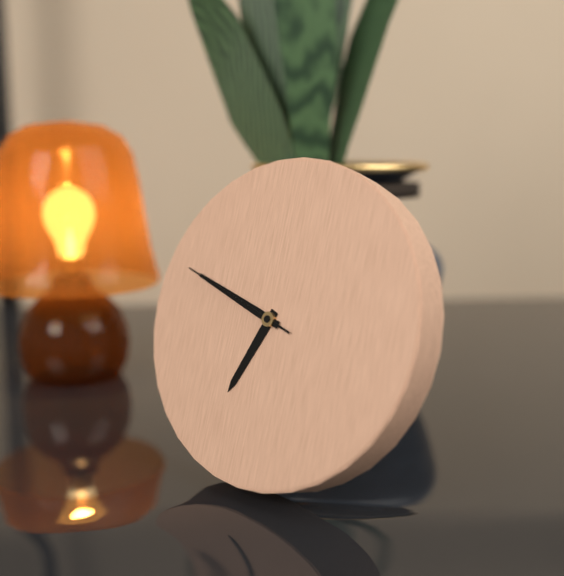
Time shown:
**6:48:48**
